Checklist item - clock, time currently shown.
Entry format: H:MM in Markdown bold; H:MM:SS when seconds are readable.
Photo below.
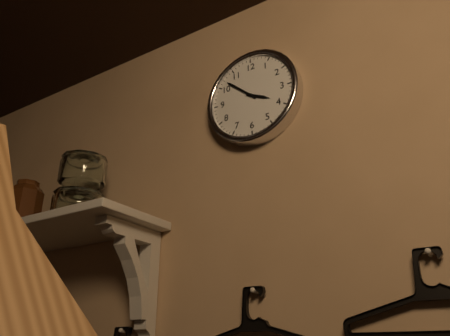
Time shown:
**3:52**
